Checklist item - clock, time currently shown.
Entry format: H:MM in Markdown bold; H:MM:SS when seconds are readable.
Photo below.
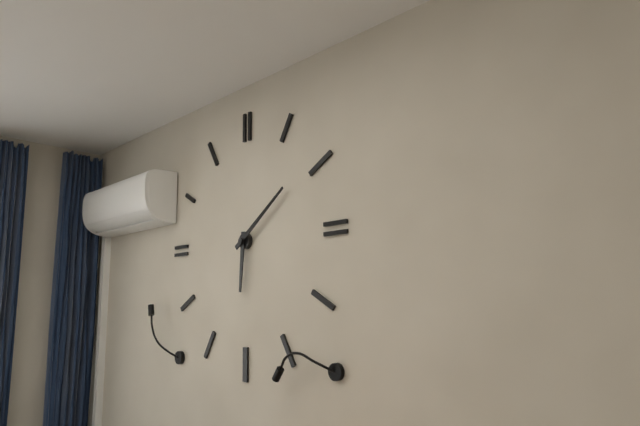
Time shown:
**6:09**
